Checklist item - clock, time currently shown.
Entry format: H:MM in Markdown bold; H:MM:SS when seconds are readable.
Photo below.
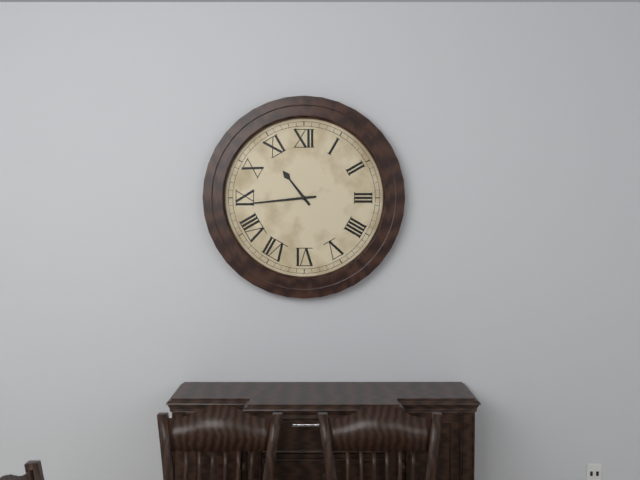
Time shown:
**10:44**
